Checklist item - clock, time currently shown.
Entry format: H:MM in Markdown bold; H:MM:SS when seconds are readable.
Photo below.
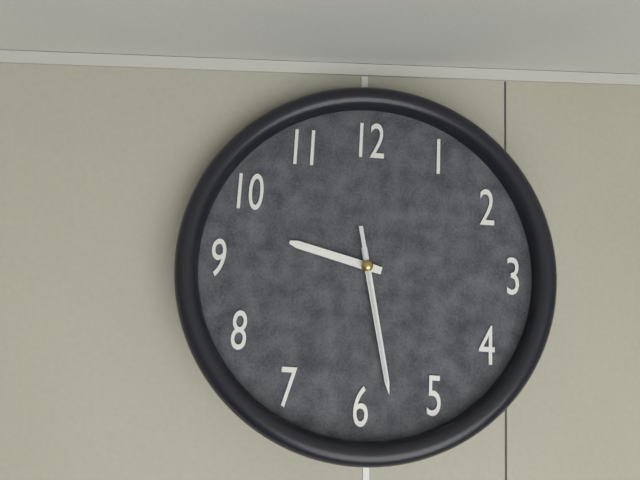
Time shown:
**9:28:28**
